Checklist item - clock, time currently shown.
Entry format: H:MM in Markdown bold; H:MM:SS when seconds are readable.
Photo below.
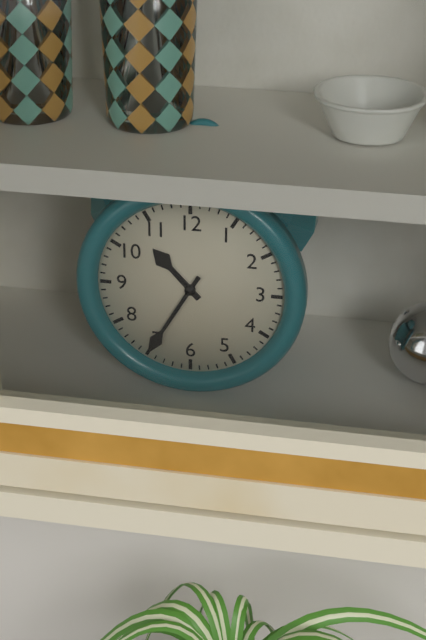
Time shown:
**10:35**
